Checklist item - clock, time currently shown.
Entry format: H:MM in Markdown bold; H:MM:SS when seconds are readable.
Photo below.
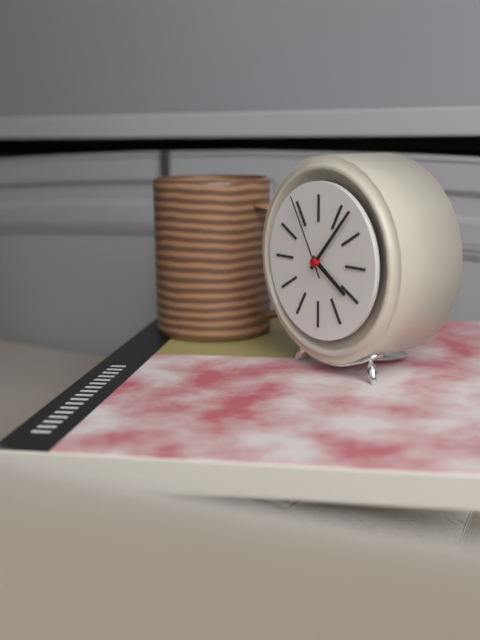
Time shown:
**4:07:55**
